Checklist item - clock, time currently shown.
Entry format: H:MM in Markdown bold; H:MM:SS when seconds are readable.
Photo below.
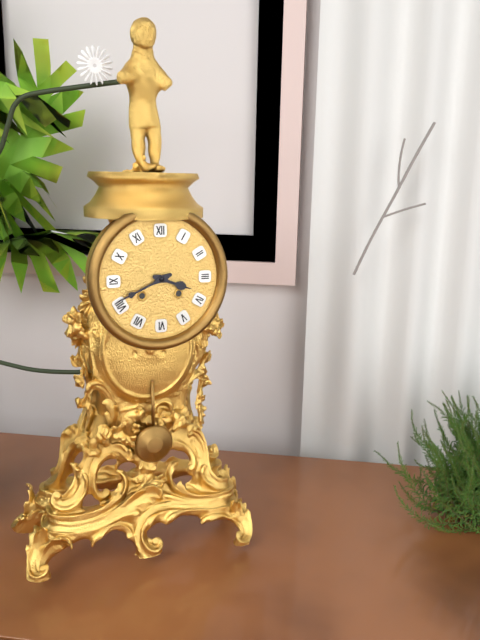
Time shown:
**3:41**
